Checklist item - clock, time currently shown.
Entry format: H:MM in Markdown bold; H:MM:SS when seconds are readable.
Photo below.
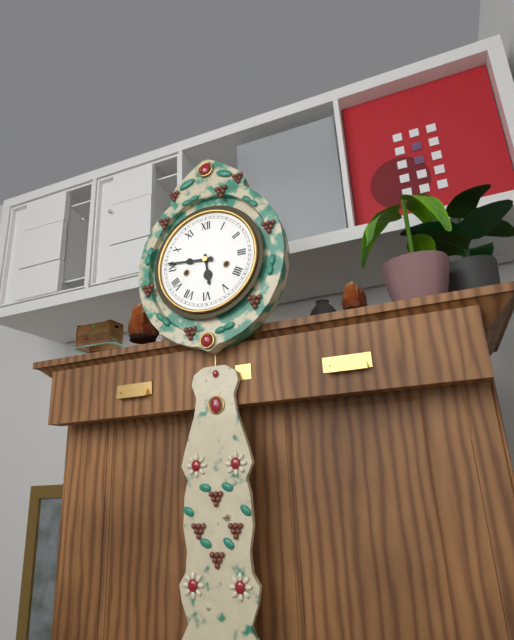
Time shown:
**5:46**
